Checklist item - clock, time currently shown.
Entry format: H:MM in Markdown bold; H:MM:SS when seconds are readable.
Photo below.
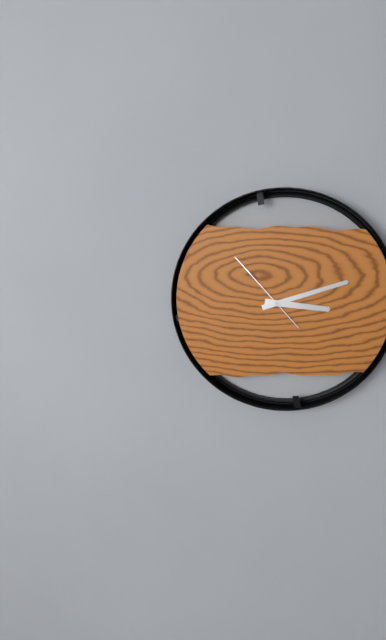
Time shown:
**3:12:53**
